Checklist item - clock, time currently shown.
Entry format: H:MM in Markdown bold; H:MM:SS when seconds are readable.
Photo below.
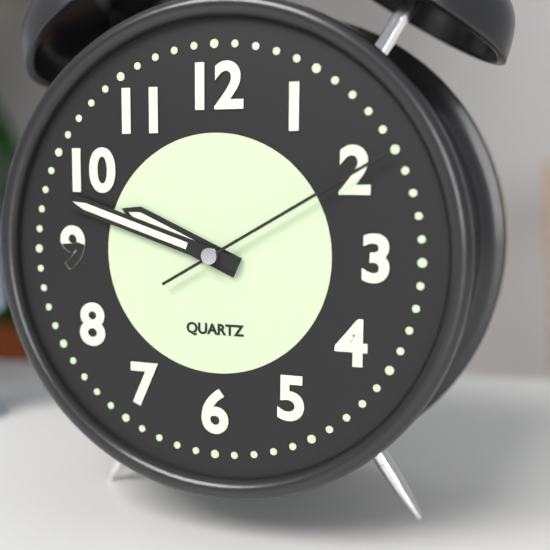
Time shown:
**9:48:10**
